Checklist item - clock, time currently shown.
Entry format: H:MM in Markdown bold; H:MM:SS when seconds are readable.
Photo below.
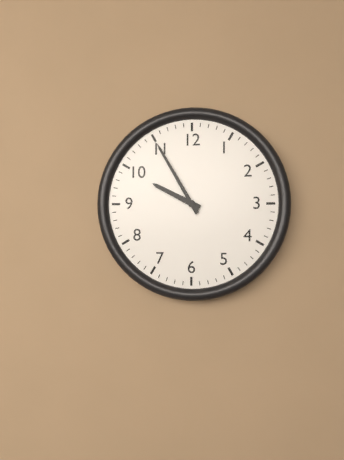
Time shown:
**9:55**
